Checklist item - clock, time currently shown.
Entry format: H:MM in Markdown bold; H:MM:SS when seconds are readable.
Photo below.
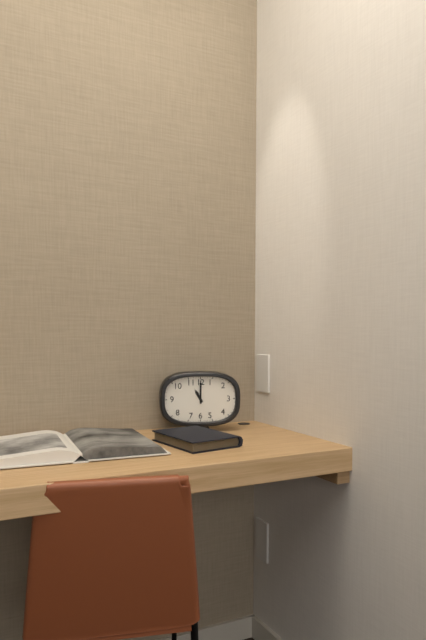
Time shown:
**11:00**
